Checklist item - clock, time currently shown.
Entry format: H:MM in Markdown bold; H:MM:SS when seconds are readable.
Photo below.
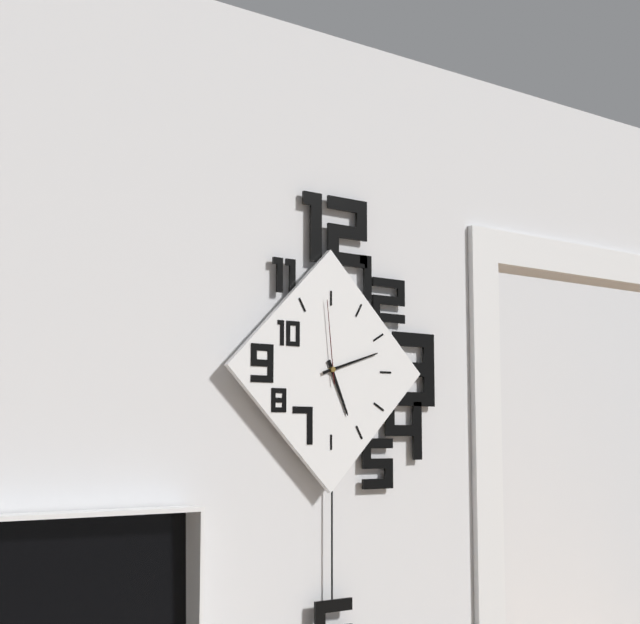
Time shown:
**5:12:59**
